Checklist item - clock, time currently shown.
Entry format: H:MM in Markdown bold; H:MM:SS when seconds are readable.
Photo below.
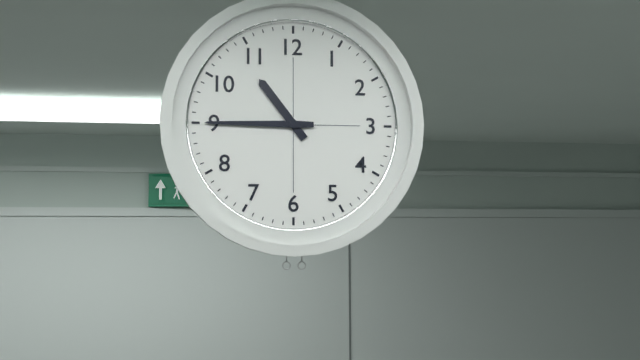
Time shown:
**10:45**
